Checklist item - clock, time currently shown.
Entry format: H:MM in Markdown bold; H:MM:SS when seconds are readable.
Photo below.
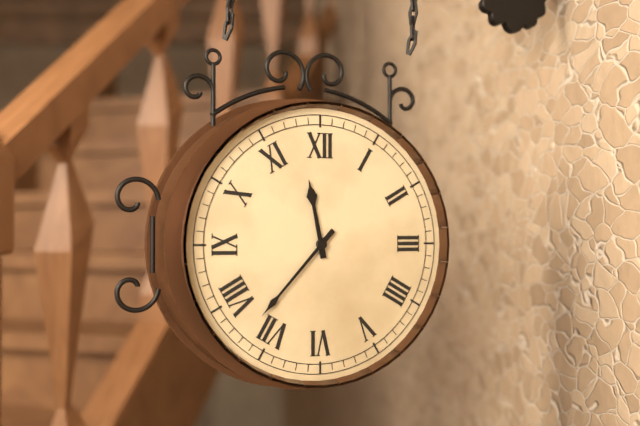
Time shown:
**11:37**
